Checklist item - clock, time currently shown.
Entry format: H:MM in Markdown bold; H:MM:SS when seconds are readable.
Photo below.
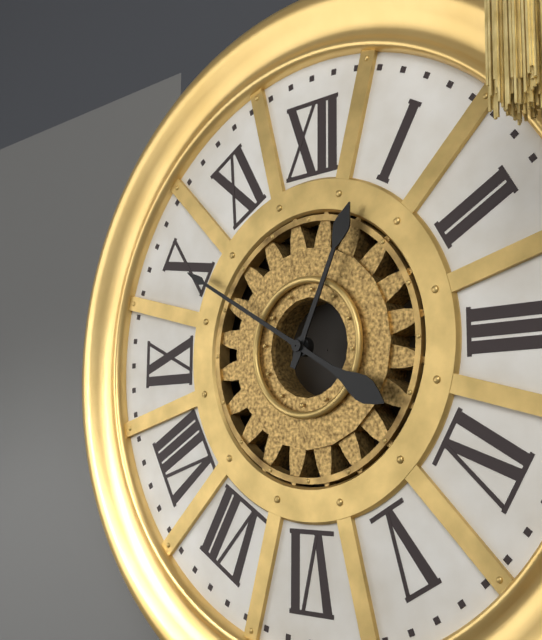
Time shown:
**12:50**
